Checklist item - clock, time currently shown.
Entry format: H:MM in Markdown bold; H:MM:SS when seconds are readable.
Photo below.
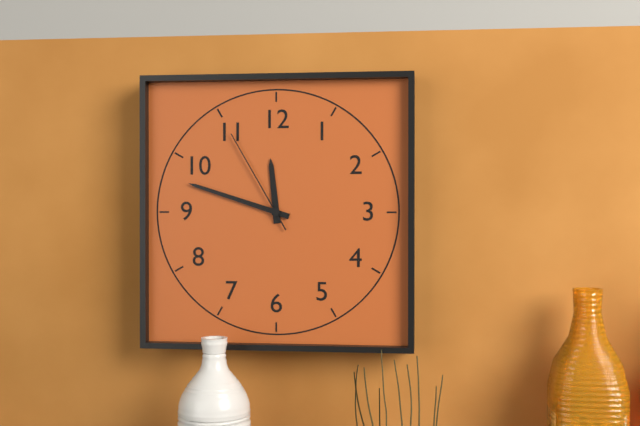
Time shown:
**11:48:55**
